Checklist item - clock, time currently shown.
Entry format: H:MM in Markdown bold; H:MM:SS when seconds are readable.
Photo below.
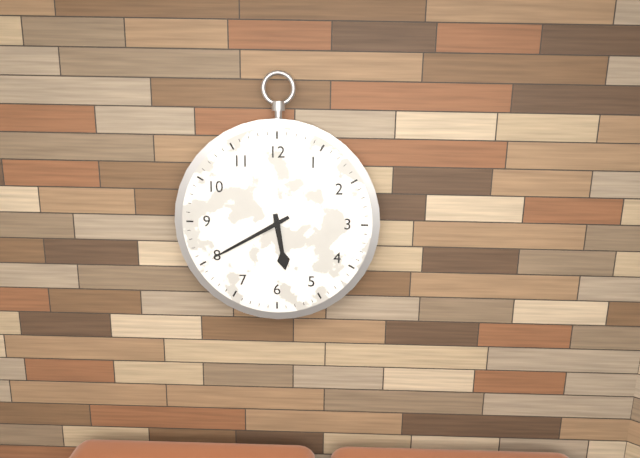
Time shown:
**5:40**
